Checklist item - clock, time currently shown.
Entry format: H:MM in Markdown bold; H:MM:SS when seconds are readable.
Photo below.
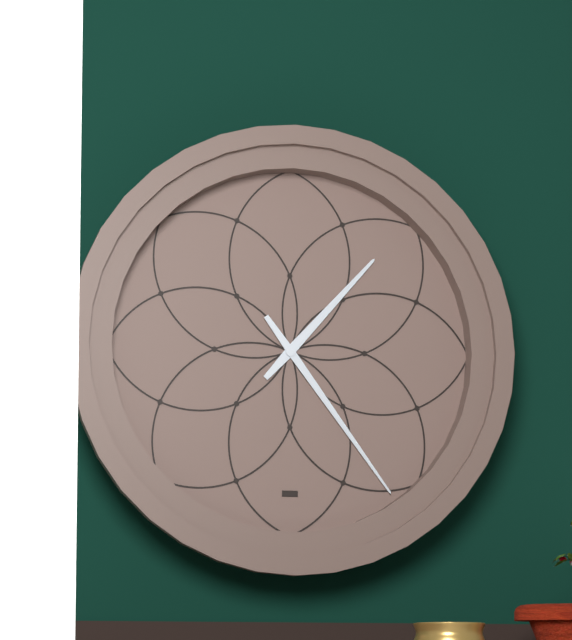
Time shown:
**1:24**
